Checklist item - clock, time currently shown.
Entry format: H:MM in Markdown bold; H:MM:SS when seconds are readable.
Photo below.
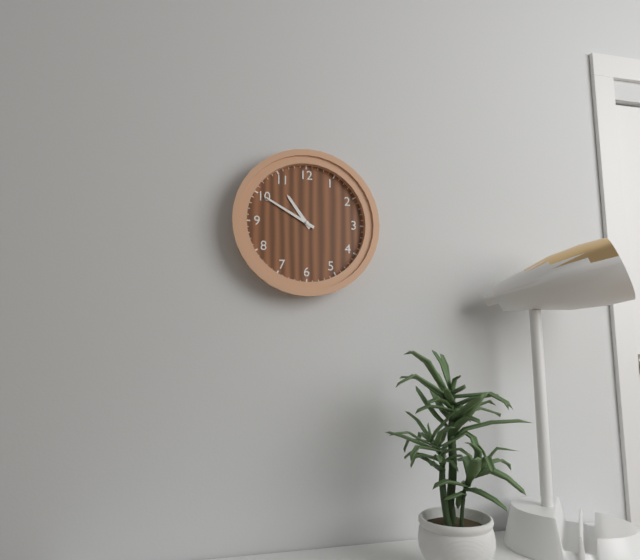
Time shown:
**10:50**
